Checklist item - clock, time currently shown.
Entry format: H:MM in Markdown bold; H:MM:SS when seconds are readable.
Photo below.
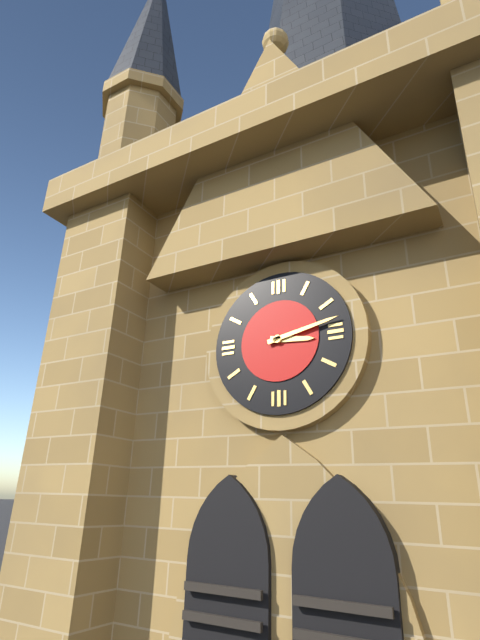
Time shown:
**3:13**
